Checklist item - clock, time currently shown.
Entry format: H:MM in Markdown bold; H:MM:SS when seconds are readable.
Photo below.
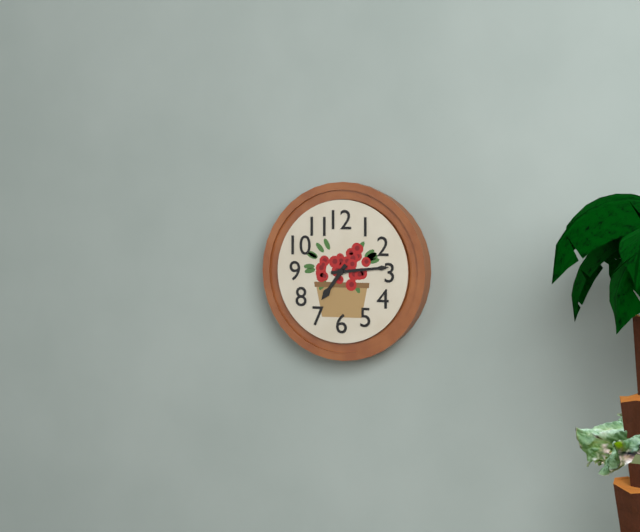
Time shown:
**7:14**
